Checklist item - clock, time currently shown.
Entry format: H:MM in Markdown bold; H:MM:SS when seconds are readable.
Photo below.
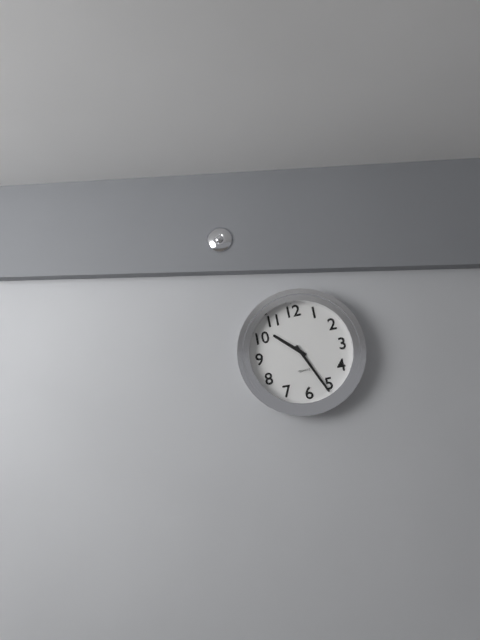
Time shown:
**10:26**
